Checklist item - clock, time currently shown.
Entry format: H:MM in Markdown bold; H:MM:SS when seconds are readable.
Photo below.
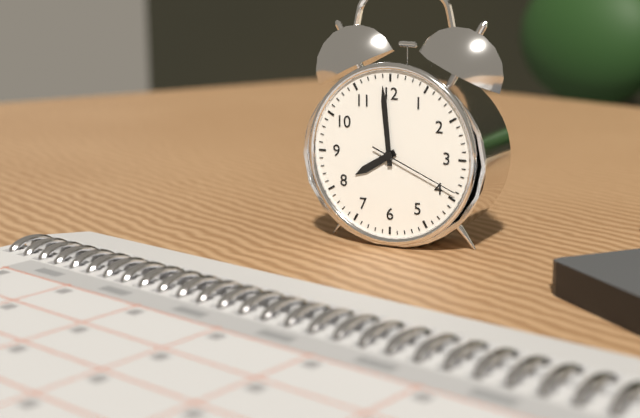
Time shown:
**7:59:19**
